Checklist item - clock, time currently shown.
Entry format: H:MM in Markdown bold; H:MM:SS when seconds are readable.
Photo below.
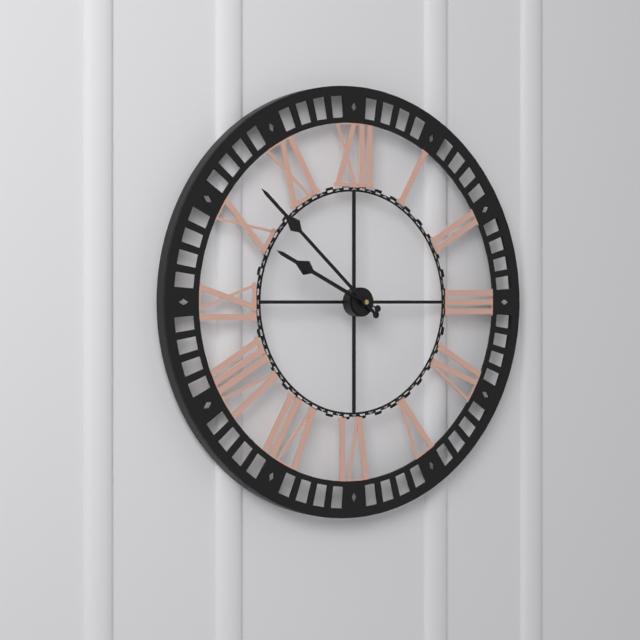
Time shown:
**9:52:49**
